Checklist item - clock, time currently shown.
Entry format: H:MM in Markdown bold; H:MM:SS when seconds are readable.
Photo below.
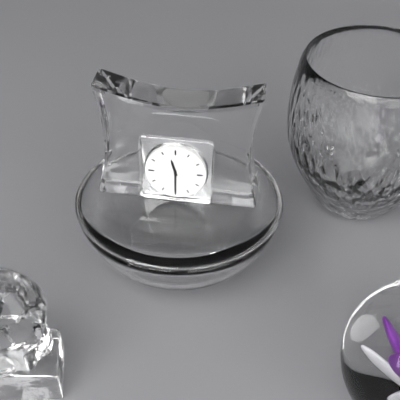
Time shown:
**11:30**
